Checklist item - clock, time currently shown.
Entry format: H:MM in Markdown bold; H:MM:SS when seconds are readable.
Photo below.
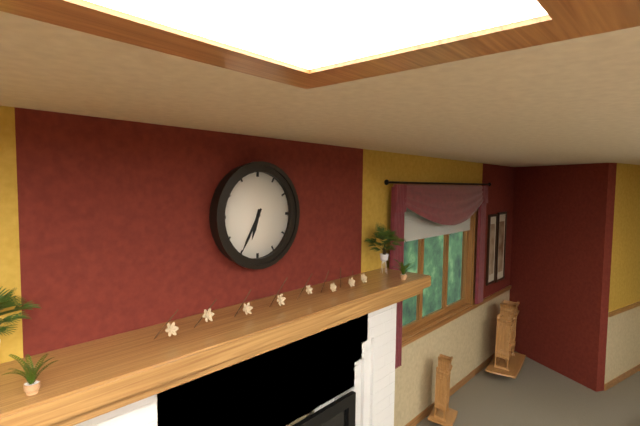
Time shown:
**6:35**
